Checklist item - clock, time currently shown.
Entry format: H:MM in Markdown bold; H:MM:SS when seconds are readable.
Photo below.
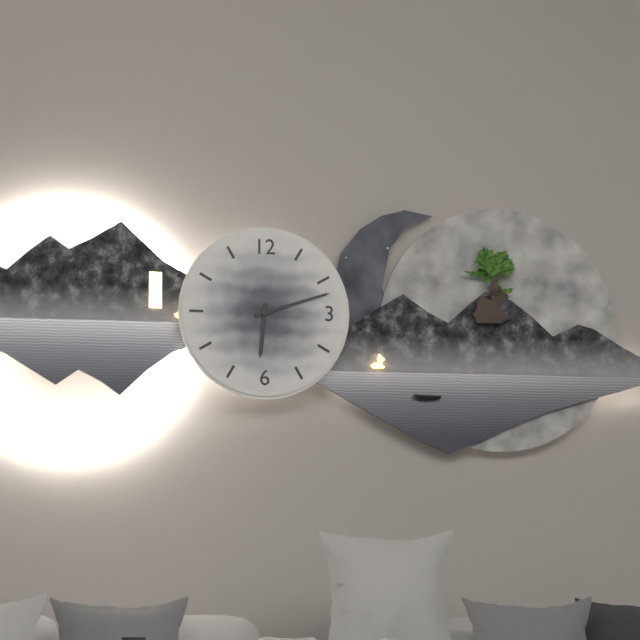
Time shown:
**6:12**
